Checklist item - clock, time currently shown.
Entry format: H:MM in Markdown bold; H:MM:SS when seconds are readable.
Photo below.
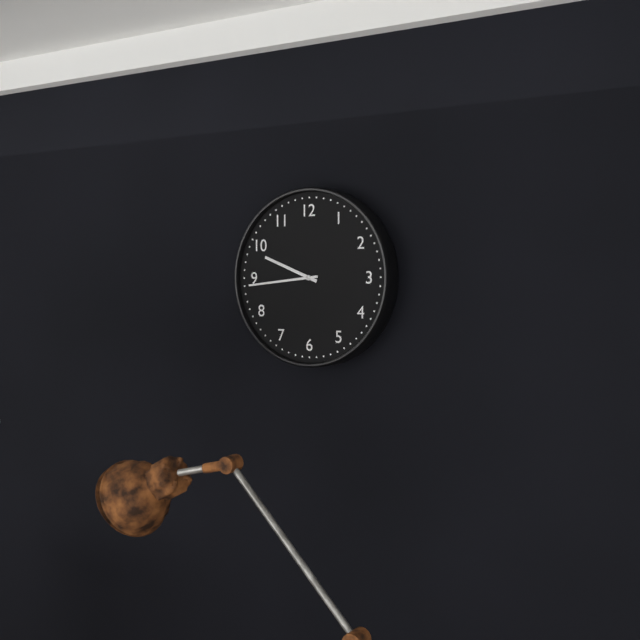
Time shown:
**9:44**
